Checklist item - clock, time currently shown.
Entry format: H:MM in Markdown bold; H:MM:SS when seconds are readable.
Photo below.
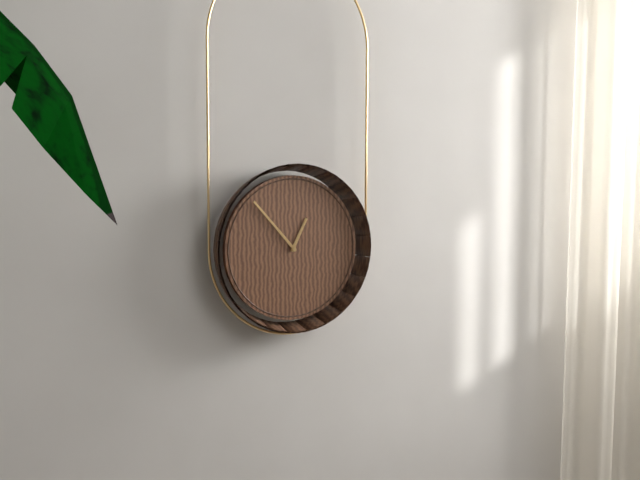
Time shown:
**12:53**
